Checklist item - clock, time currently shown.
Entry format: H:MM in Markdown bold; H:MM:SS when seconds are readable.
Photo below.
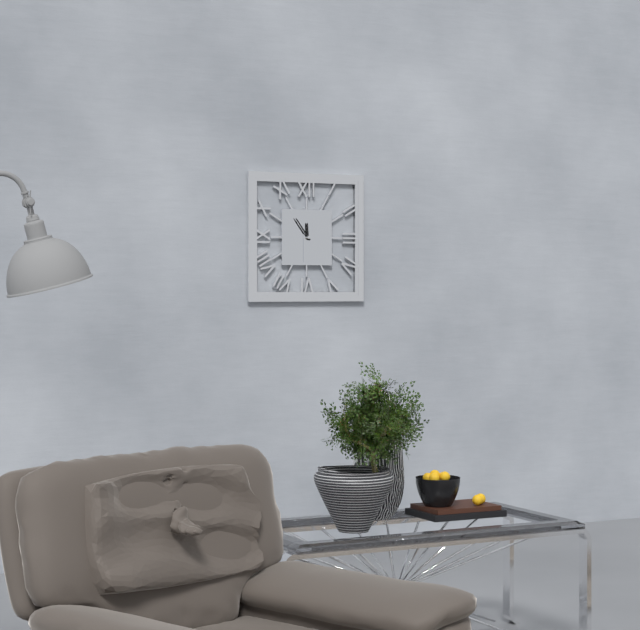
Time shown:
**11:54**
